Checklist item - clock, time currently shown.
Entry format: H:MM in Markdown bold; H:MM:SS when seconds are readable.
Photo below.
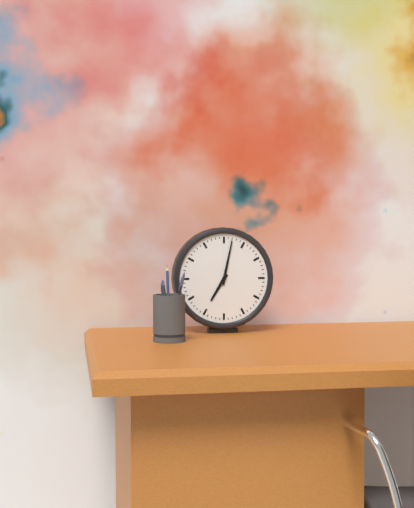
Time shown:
**7:02**
